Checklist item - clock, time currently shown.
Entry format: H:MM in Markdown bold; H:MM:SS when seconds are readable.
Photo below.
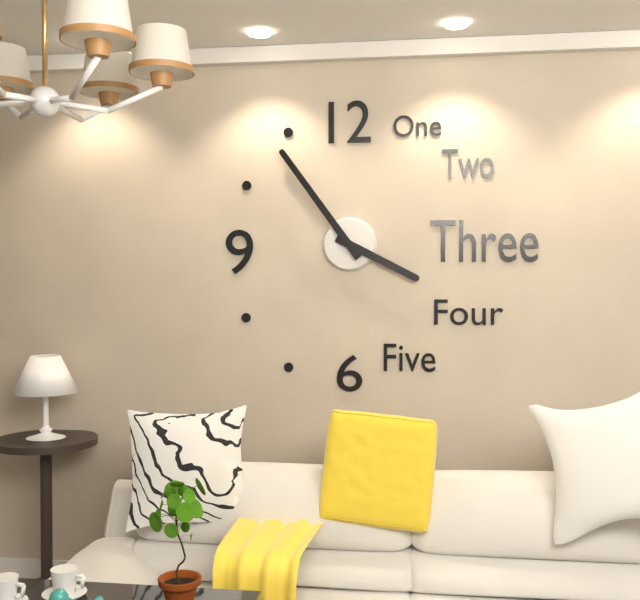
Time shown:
**3:54**
